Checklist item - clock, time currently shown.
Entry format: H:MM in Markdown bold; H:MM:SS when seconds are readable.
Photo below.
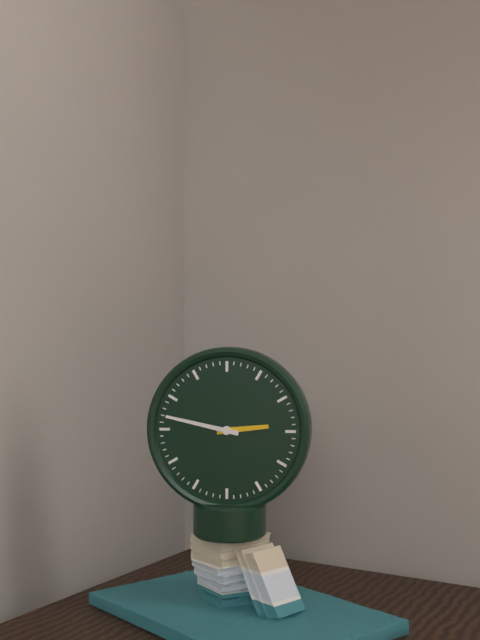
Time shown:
**2:47**
